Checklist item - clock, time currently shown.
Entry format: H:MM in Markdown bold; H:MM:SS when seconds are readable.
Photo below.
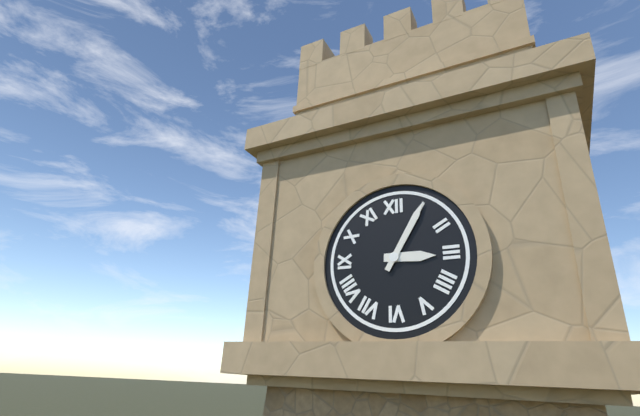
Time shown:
**3:05**
